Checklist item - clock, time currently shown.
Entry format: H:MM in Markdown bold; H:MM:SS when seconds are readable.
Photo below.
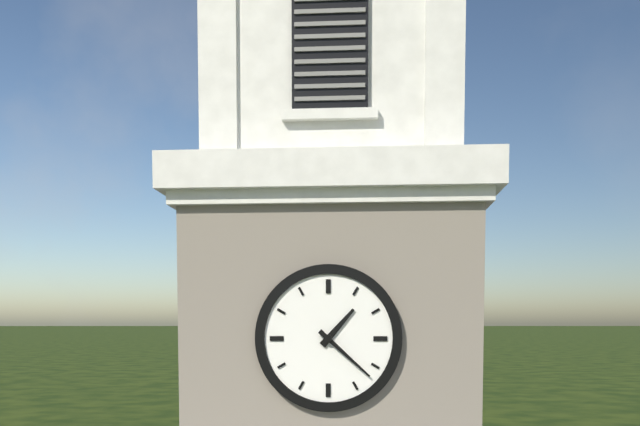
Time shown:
**1:22**
